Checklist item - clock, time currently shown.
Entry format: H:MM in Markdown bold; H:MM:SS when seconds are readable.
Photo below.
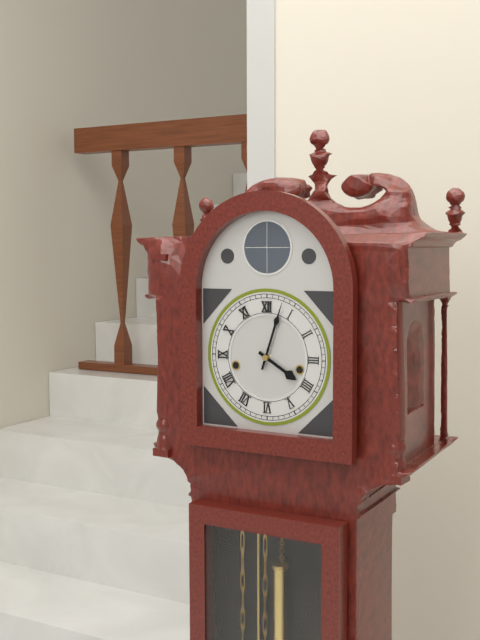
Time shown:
**4:03**
